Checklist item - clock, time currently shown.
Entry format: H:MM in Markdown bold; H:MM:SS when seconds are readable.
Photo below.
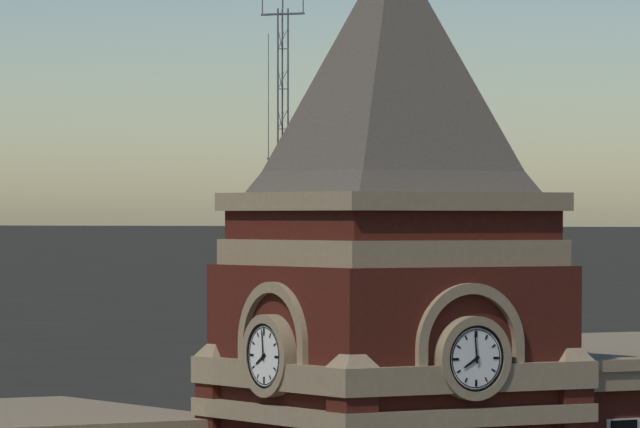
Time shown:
**7:59**
